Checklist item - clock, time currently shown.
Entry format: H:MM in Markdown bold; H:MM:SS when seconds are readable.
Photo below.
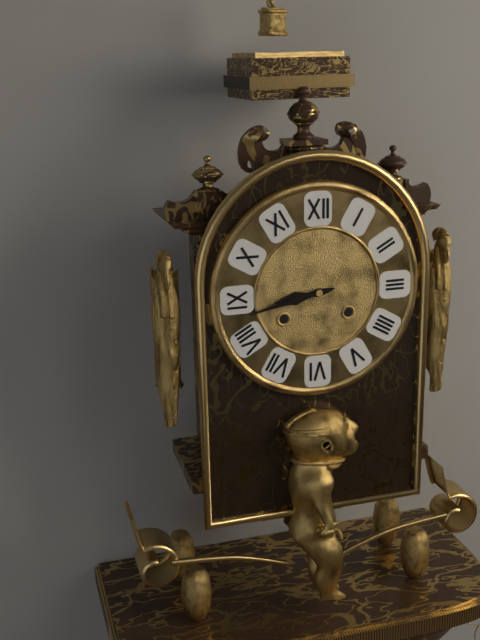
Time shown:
**8:43**
